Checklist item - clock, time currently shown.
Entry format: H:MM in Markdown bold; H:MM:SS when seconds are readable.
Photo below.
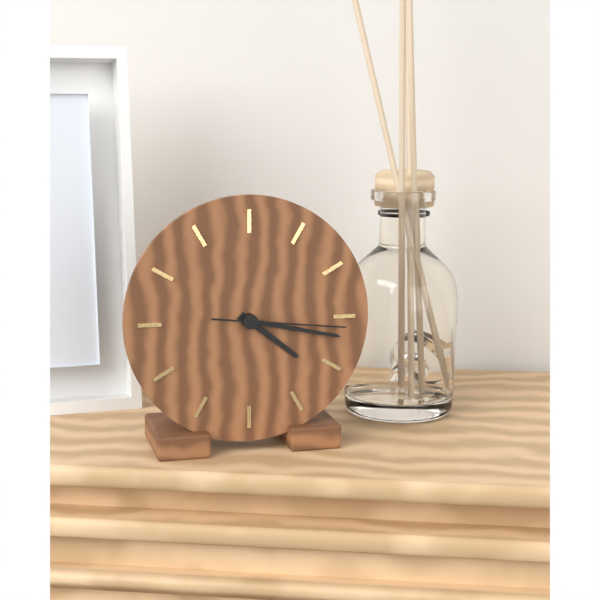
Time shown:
**4:17:16**
